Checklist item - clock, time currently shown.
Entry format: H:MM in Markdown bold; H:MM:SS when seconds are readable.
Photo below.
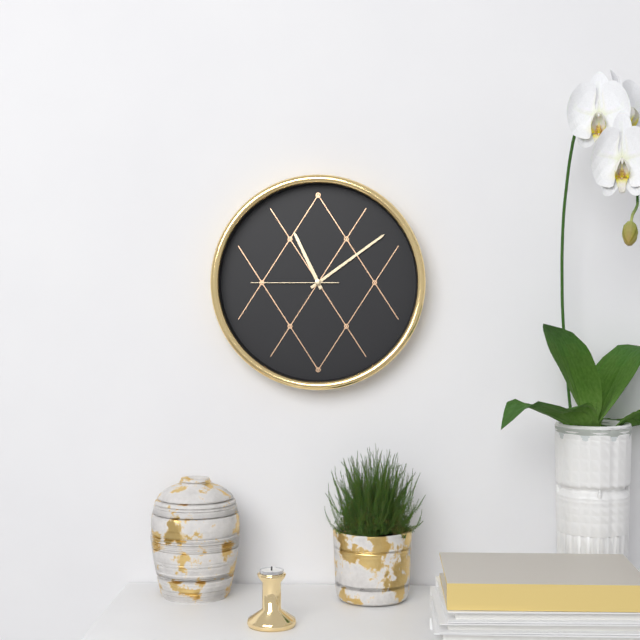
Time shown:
**11:09:45**
